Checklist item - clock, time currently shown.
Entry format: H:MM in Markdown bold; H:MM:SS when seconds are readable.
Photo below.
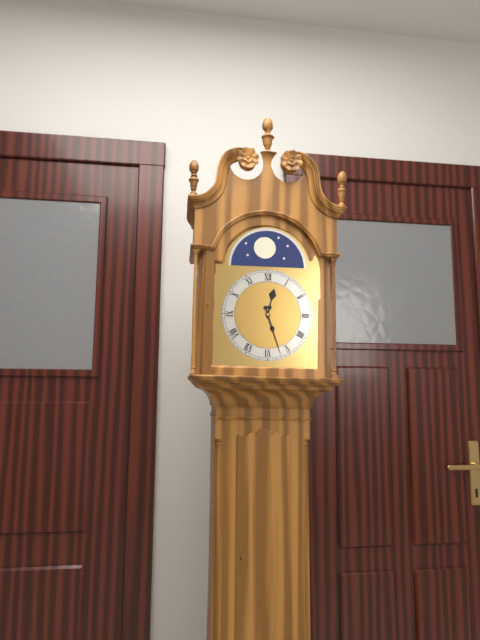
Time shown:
**12:27**
